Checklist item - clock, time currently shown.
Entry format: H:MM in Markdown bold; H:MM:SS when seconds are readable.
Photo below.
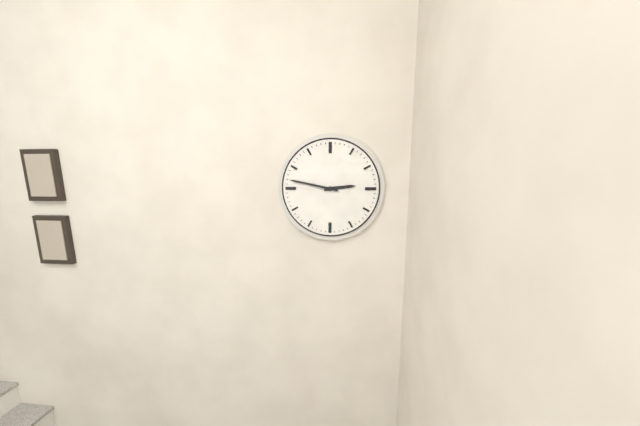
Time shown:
**2:47**
